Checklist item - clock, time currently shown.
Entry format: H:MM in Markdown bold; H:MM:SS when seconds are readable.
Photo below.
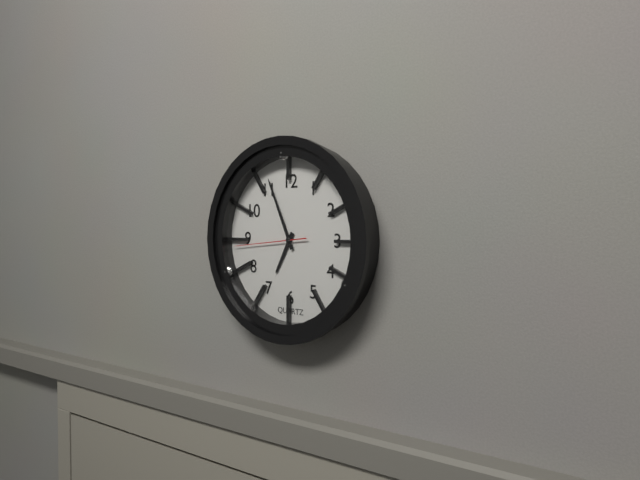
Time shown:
**6:56:44**
